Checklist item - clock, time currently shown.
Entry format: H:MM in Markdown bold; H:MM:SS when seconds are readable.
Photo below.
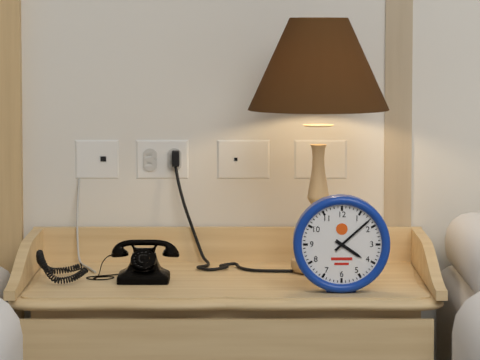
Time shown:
**4:08**
